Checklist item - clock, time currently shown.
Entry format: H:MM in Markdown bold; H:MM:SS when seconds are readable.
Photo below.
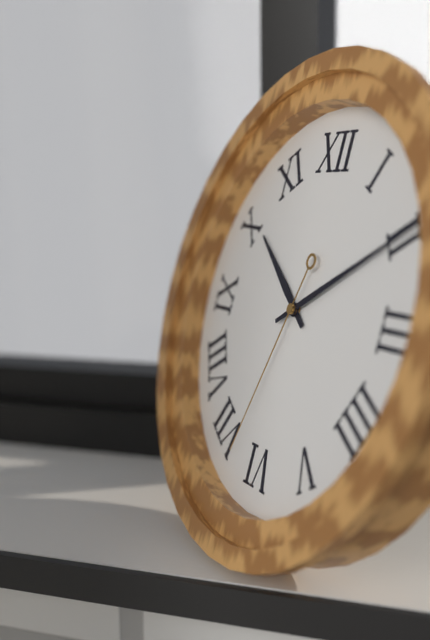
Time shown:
**10:10:33**
